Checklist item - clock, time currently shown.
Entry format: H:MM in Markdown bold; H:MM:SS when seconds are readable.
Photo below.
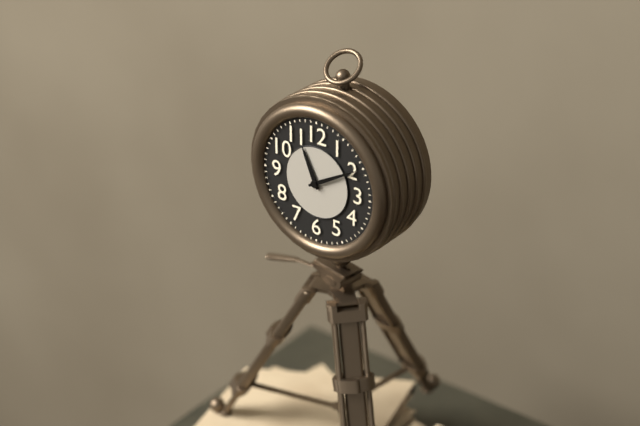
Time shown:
**11:10**
